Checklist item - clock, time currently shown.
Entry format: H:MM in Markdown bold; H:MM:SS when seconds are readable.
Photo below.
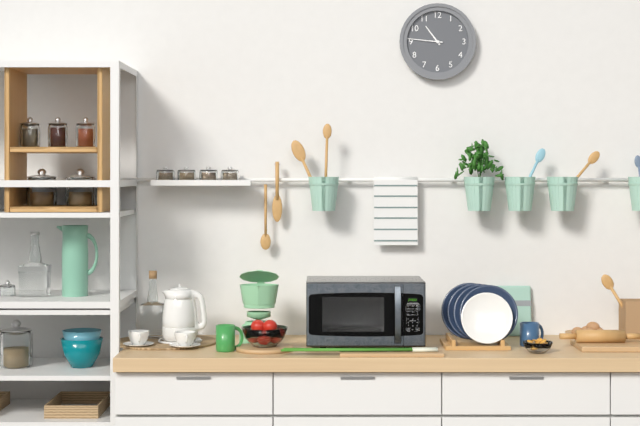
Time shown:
**10:46**
